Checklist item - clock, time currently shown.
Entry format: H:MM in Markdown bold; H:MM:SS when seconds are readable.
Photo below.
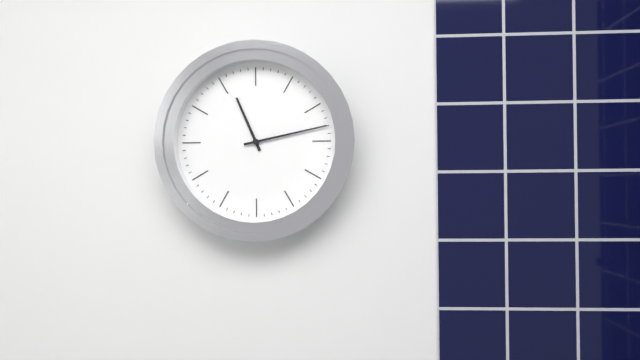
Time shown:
**11:13**
